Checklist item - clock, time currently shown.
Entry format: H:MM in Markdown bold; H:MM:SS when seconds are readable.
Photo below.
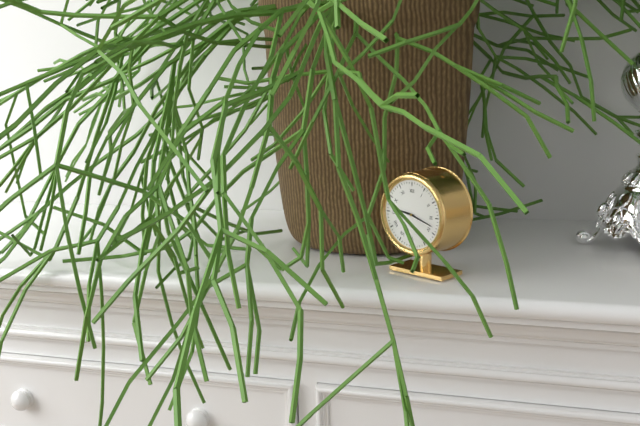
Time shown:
**9:18**
